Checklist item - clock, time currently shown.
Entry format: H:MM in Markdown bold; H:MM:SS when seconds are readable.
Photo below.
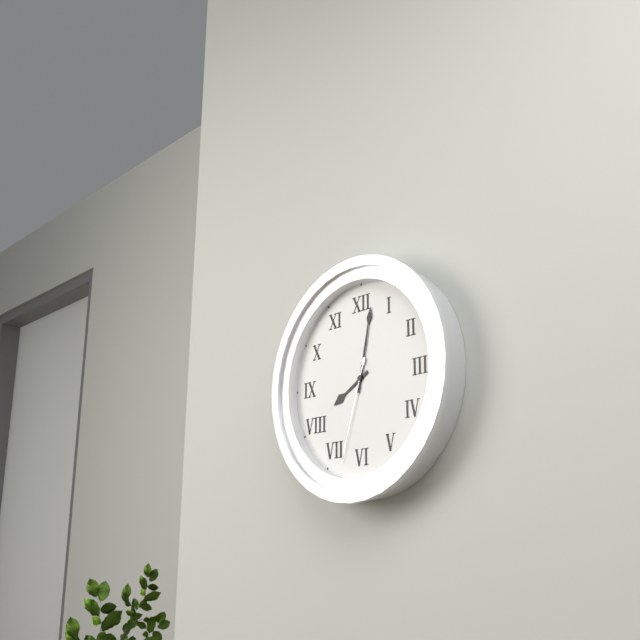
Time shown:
**8:02:33**
